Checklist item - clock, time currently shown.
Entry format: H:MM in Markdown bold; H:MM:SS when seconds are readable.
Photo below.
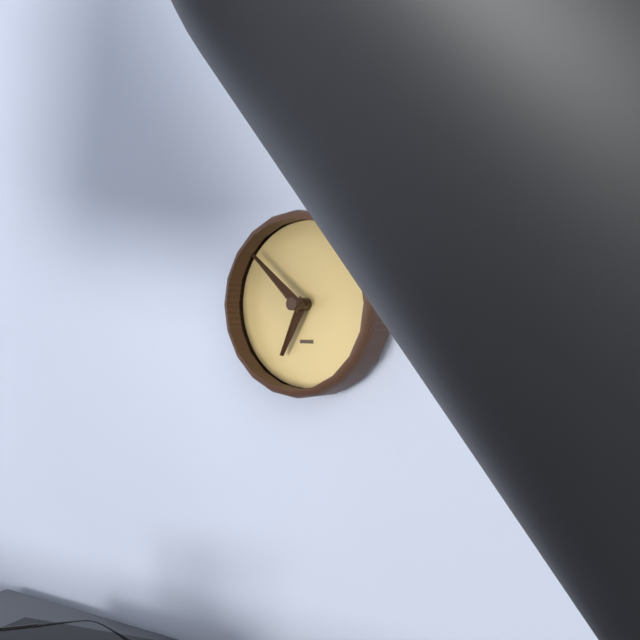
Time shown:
**6:52**
